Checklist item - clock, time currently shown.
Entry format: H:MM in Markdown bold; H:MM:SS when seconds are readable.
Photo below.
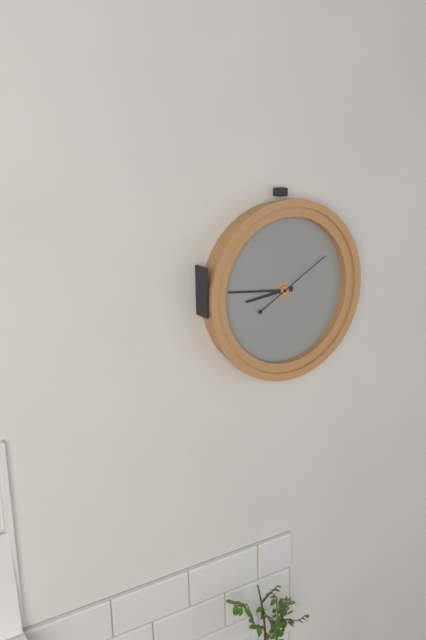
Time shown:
**8:46:10**
